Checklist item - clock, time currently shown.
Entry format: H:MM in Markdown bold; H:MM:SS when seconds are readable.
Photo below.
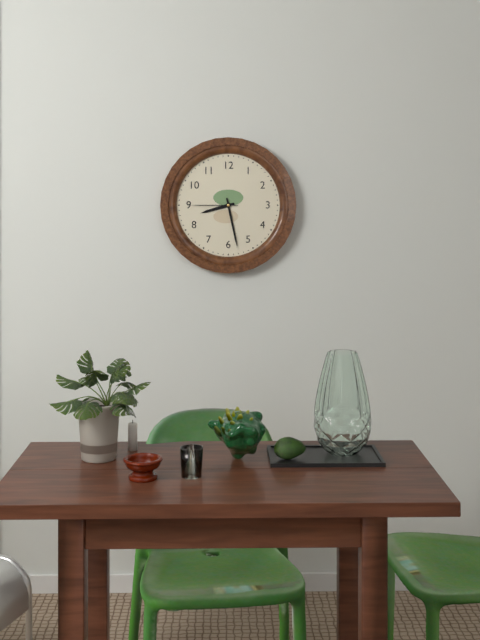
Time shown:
**8:28**
